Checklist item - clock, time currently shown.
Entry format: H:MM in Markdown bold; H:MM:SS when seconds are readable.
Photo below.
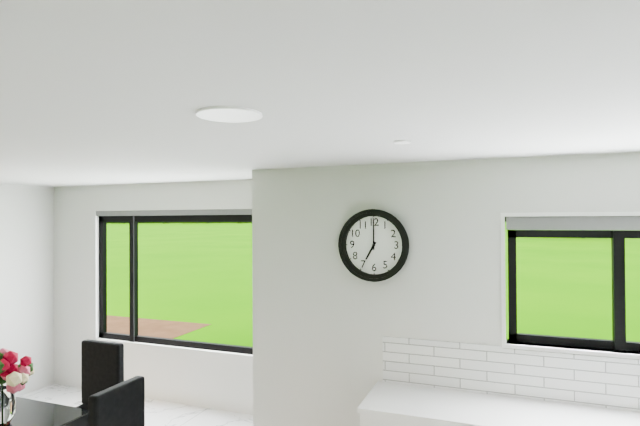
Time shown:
**7:00**
